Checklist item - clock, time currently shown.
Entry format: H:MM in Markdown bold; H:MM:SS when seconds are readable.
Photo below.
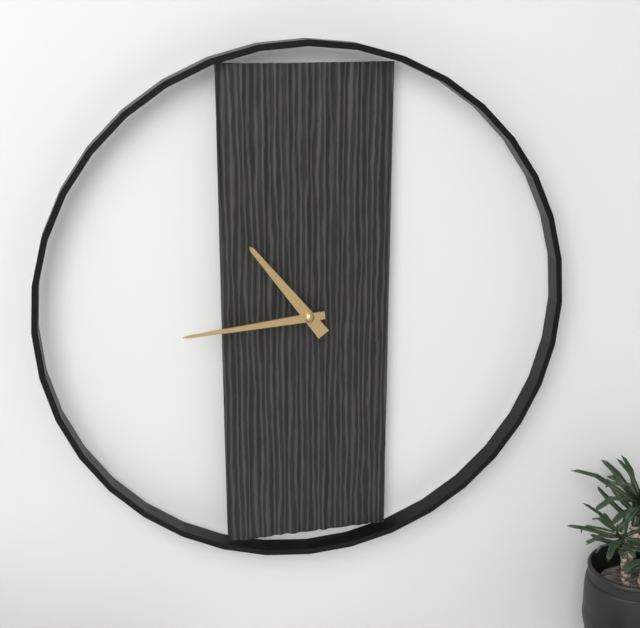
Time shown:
**10:44**
